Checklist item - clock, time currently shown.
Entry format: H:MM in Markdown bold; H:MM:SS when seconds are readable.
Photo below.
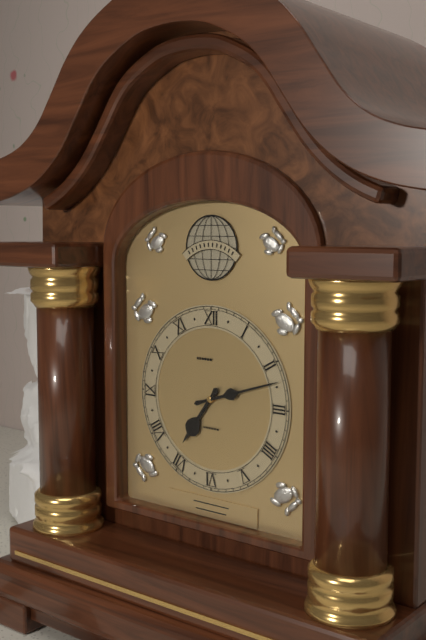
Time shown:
**7:12**
